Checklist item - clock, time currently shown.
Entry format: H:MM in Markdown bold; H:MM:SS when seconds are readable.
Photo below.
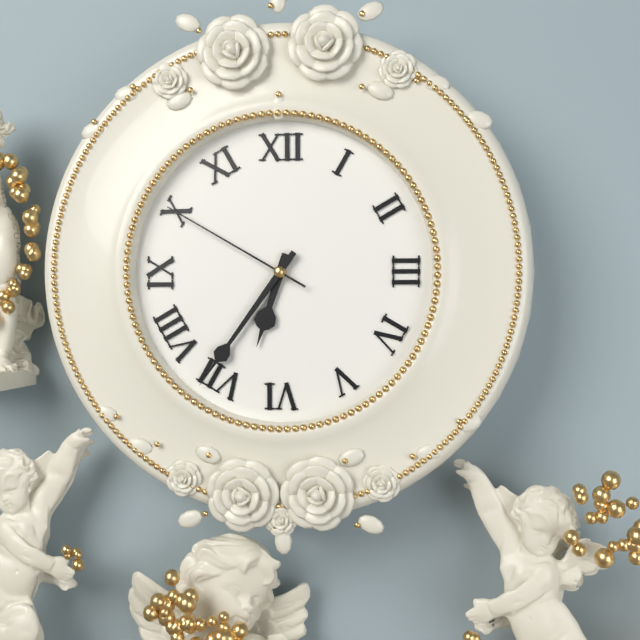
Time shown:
**6:36:50**
